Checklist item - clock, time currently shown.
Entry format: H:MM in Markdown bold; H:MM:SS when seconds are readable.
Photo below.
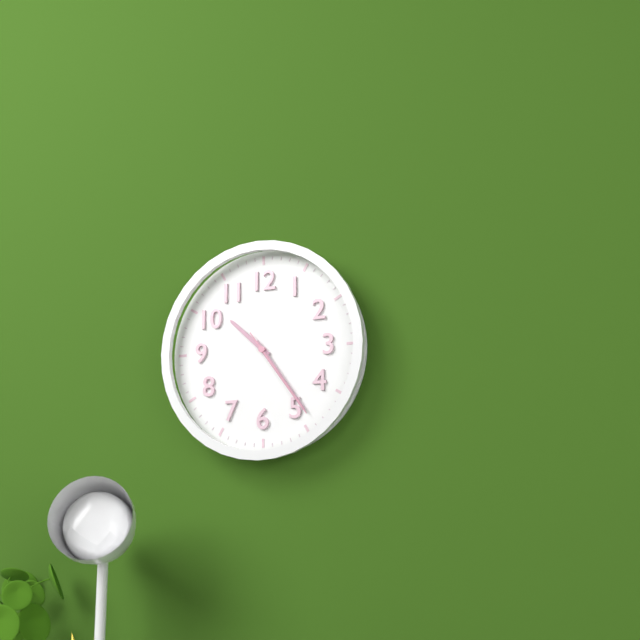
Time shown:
**10:24:24**
